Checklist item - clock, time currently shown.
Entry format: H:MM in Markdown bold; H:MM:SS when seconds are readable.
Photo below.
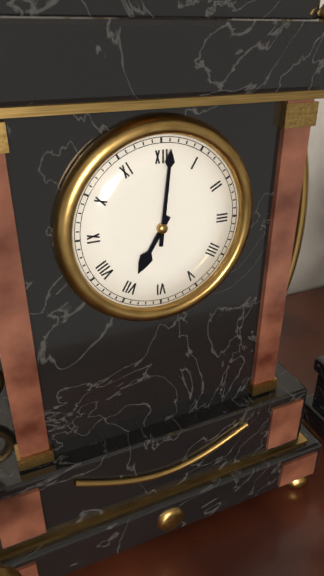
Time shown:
**7:01**
